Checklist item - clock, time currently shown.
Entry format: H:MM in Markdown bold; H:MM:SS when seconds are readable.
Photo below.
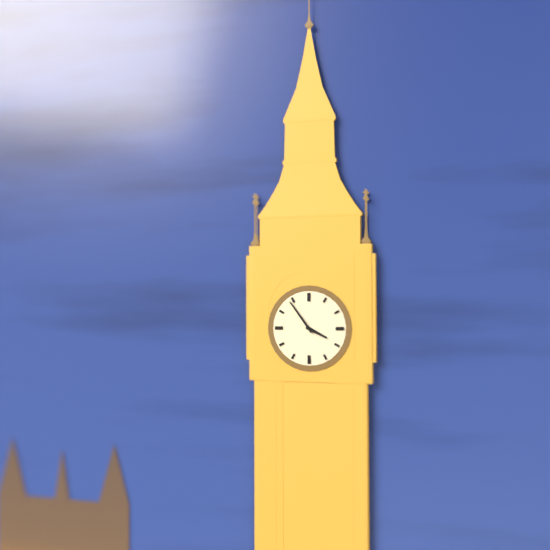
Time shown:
**3:54**
